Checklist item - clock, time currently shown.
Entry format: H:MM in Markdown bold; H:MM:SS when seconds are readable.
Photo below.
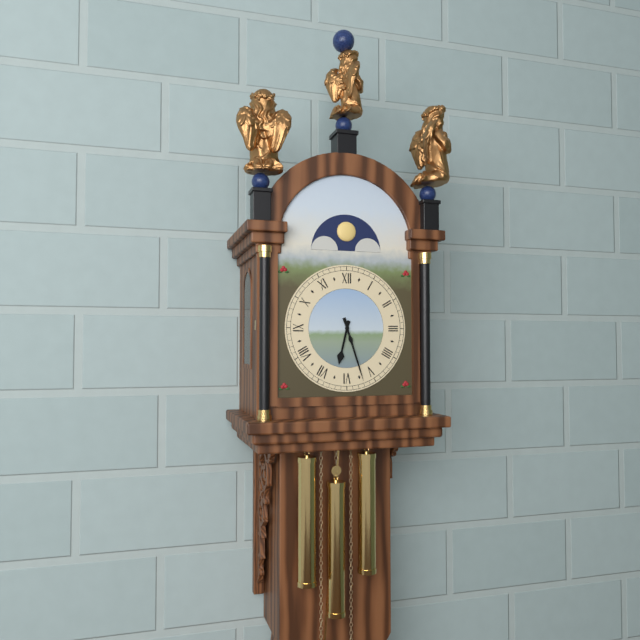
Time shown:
**6:27**
